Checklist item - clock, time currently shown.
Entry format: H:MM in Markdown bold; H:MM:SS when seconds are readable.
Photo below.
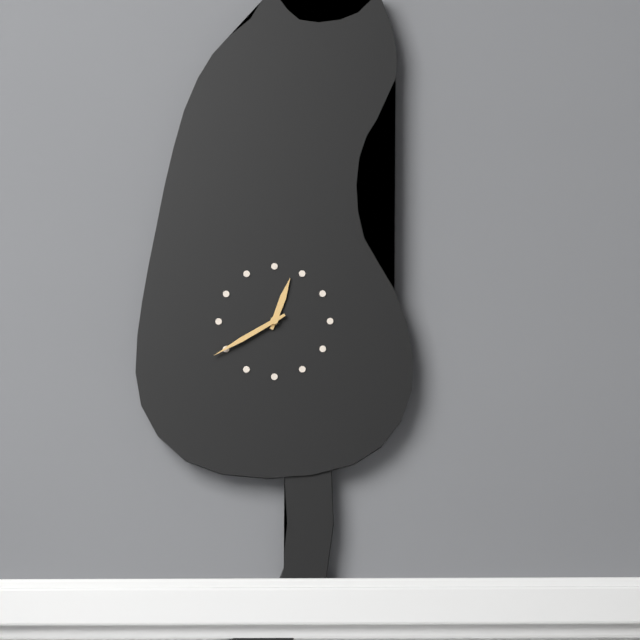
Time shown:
**12:40**
